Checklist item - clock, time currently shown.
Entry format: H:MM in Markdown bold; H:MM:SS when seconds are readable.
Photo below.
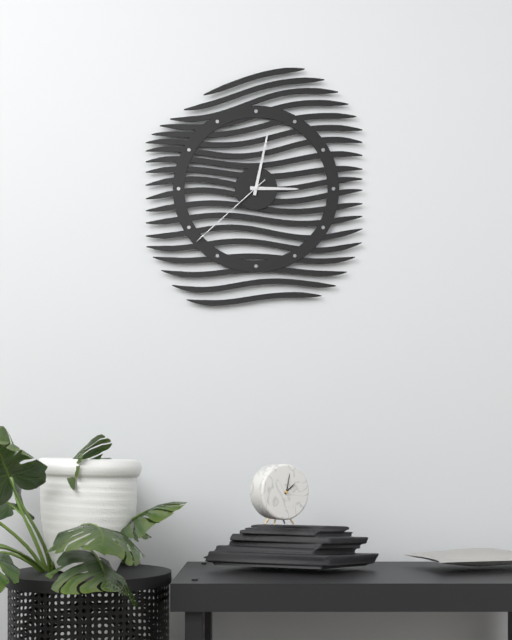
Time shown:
**3:02:38**
